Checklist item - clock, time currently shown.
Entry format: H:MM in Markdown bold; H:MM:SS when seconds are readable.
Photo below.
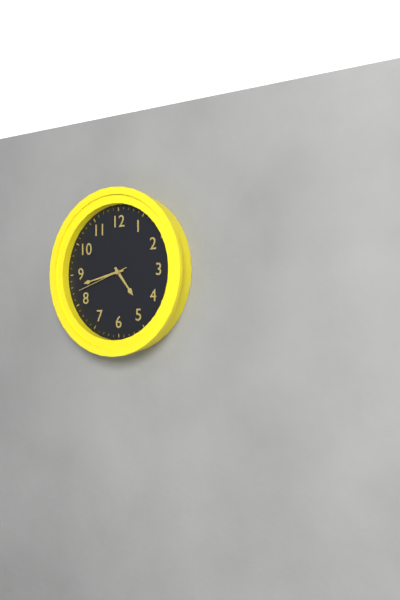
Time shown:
**4:43:42**
